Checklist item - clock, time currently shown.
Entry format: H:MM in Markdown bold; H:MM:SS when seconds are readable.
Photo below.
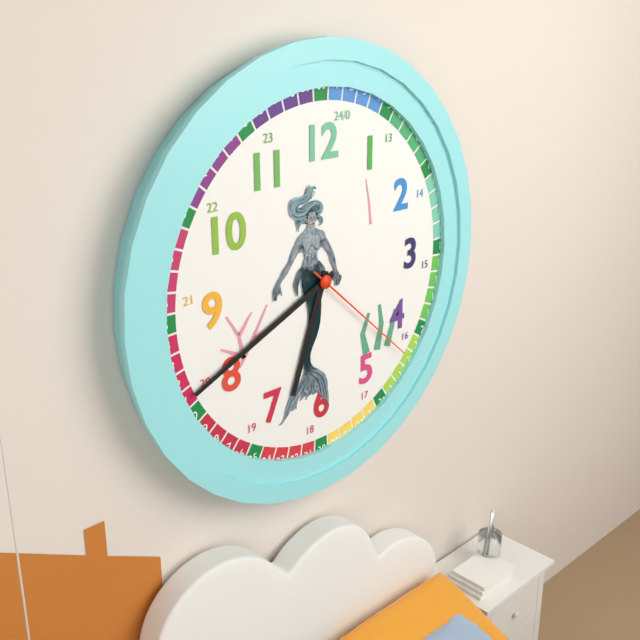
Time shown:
**6:41:22**
